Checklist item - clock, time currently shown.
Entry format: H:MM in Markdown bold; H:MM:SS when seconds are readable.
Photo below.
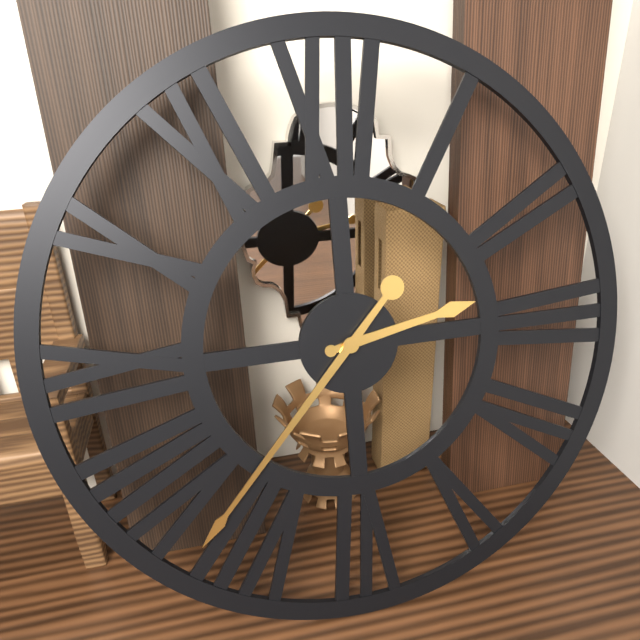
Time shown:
**2:37**
